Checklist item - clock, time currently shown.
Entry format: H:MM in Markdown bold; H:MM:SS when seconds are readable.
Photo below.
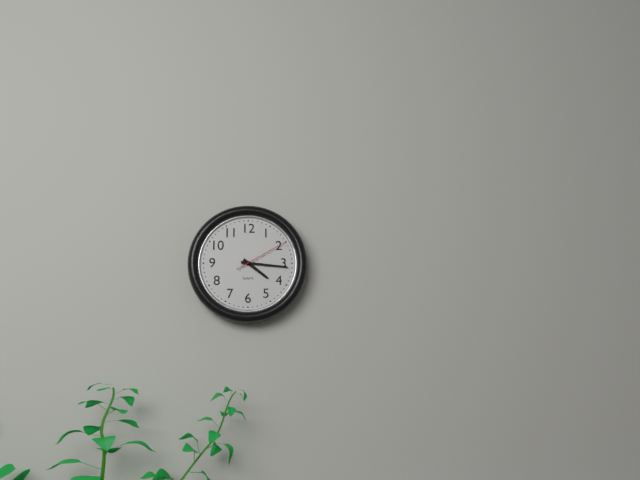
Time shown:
**4:16:10**
